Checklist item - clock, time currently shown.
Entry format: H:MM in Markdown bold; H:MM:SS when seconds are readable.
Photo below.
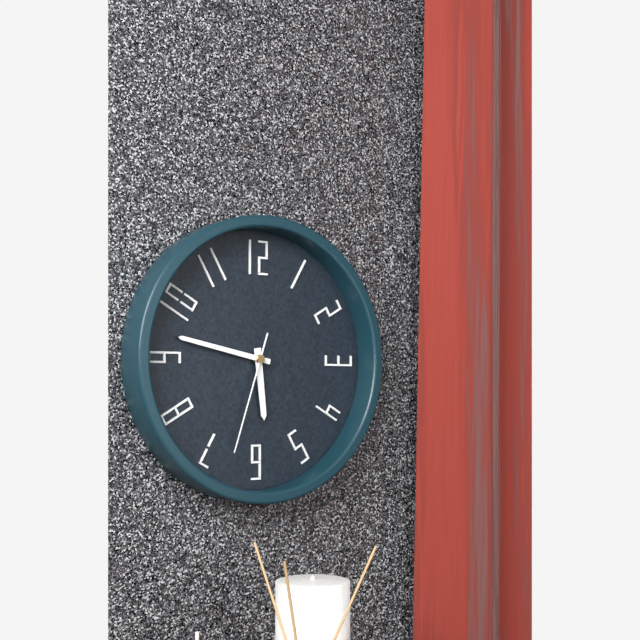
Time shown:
**5:47:33**
